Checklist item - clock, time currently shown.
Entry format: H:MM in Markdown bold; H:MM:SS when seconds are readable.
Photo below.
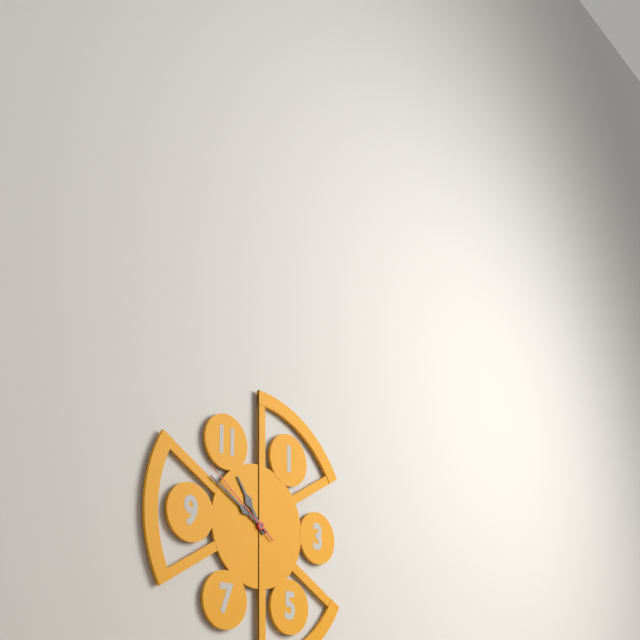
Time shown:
**10:50:51**
